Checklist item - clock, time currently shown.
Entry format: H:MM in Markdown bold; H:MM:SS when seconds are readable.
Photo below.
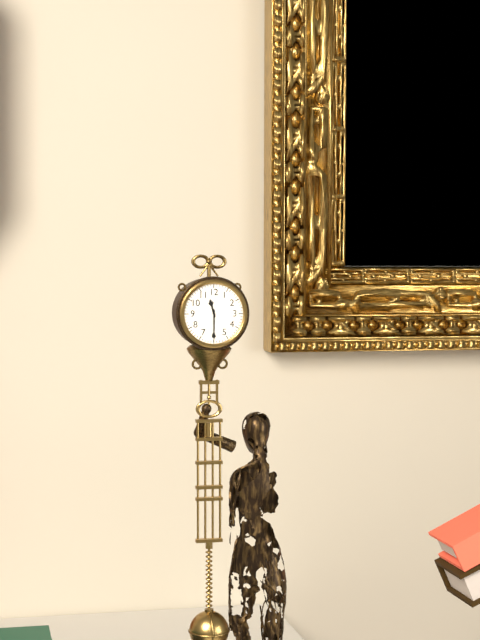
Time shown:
**11:30**
